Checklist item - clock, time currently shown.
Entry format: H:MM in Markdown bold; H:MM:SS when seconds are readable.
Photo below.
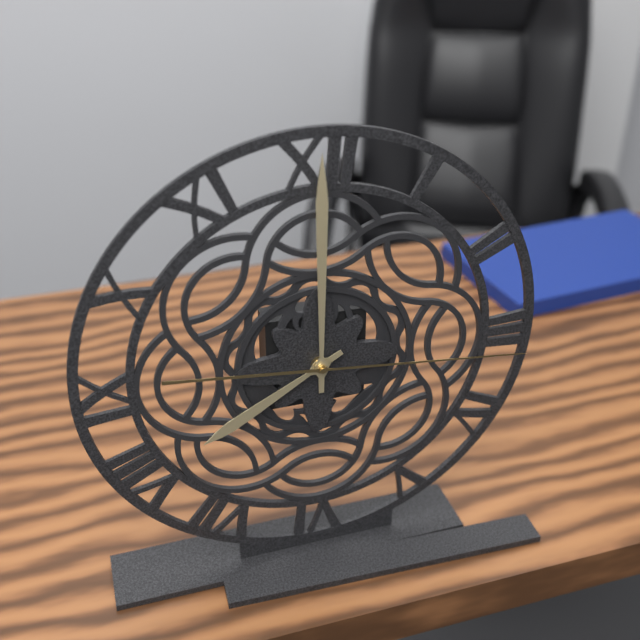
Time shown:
**8:00:16**
